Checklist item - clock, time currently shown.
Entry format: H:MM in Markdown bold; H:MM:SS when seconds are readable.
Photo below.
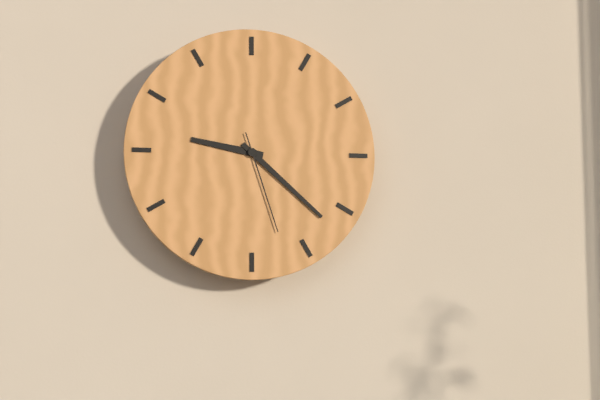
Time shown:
**9:22:27**
